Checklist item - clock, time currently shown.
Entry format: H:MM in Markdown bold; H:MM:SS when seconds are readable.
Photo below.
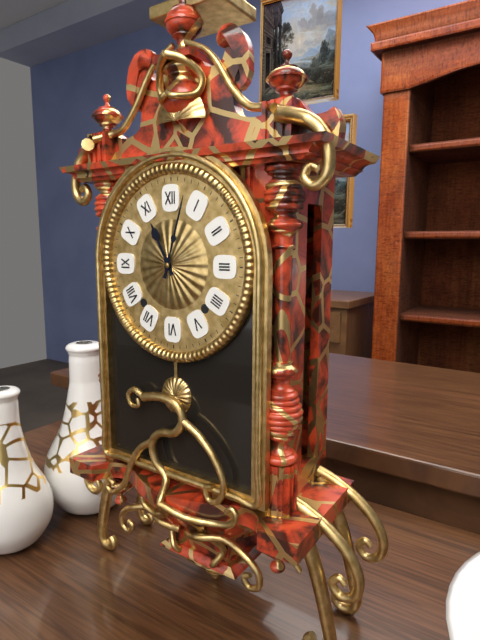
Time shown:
**11:03**
